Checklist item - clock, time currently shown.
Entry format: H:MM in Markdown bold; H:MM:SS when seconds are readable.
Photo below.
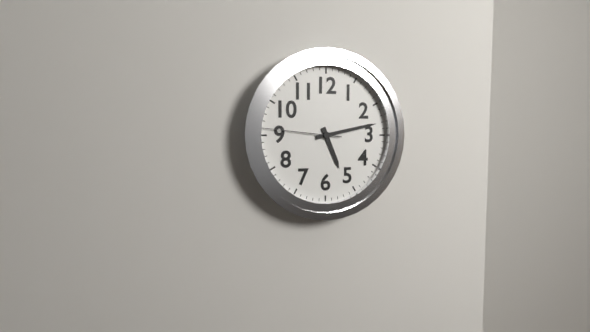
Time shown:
**5:13:46**
